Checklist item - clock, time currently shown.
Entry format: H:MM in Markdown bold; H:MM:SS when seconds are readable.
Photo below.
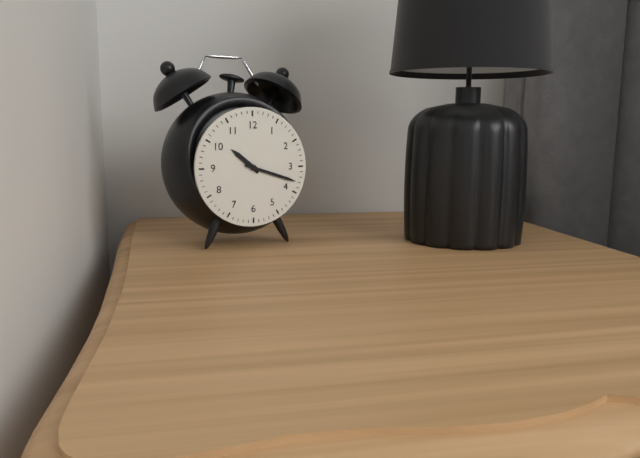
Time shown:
**10:18**
